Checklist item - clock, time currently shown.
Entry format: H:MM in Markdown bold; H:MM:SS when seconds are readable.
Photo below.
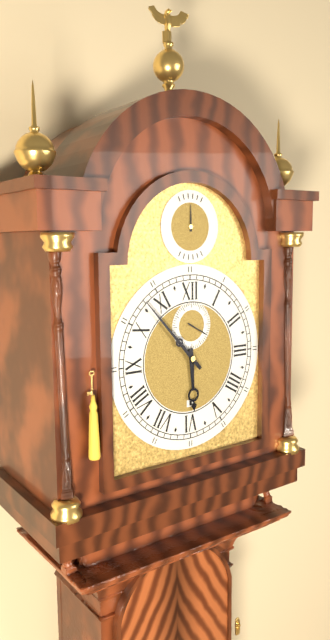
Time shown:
**5:53**
